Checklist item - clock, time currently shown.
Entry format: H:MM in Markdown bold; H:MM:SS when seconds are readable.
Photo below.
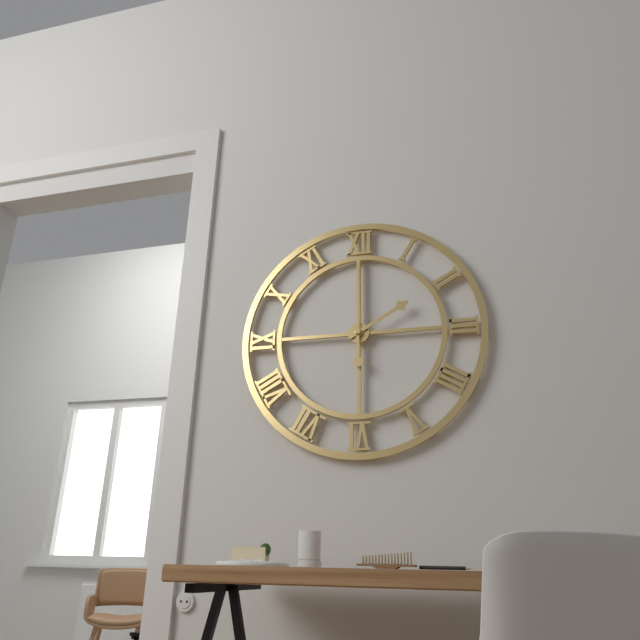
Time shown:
**2:00**
